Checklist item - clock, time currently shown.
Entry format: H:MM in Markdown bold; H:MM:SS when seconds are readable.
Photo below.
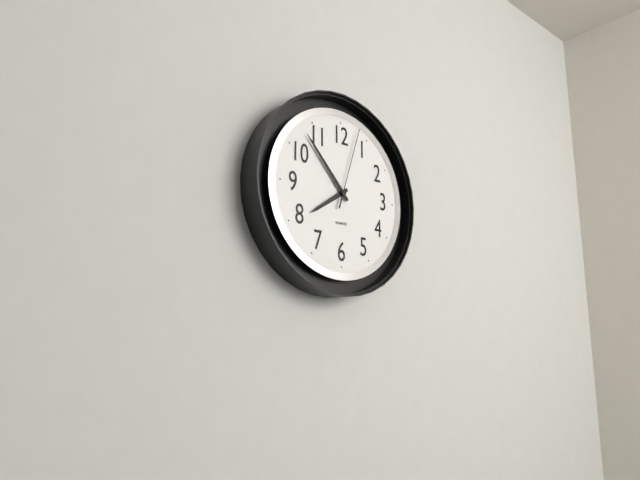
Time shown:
**7:53:03**
